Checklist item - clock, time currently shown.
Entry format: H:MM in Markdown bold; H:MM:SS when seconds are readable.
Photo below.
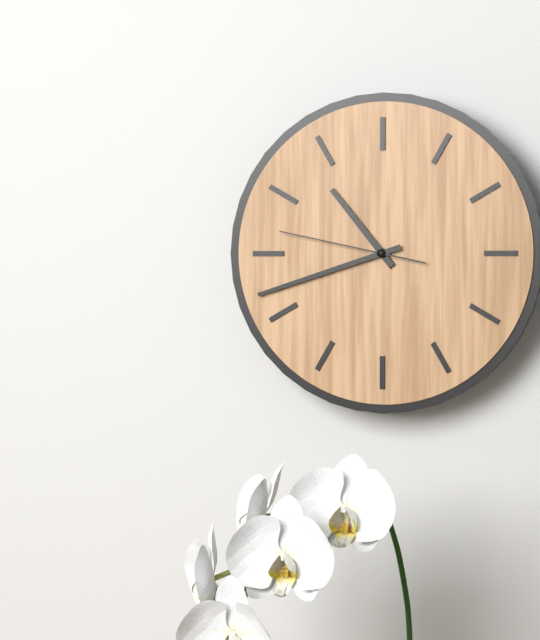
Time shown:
**10:42:47**
